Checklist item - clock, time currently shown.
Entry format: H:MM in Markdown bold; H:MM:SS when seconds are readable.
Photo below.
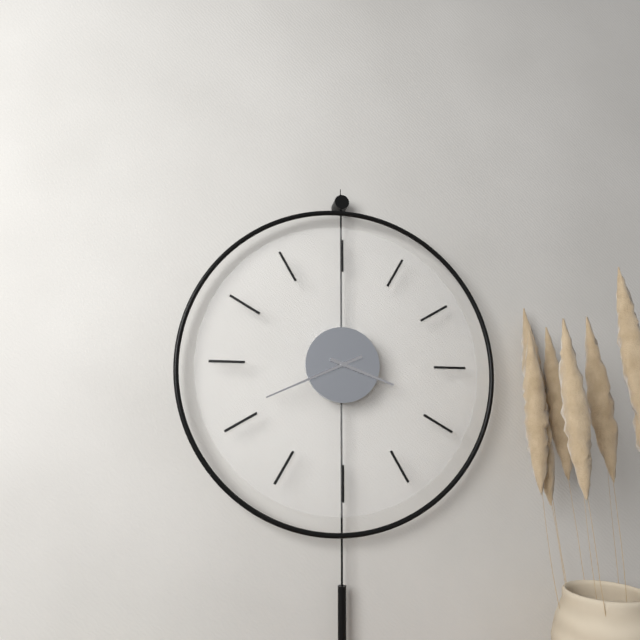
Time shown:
**3:41**
